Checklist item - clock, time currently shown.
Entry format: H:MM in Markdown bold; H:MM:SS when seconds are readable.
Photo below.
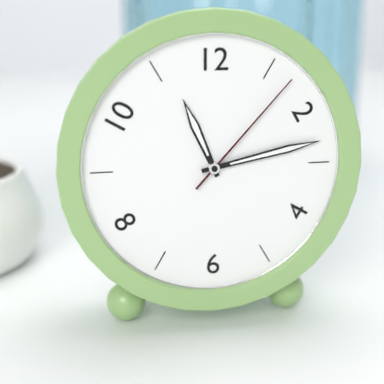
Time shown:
**11:13:07**
